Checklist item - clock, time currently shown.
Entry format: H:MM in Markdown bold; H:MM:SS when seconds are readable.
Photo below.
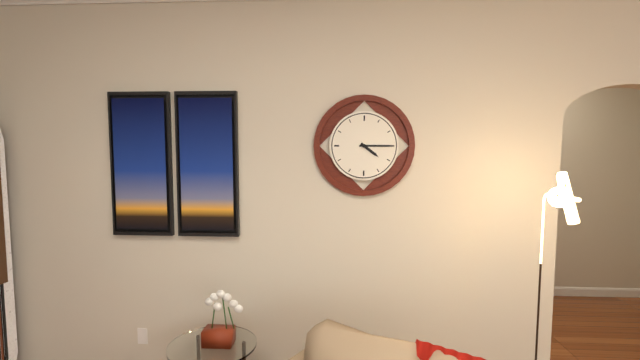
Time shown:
**4:15**
